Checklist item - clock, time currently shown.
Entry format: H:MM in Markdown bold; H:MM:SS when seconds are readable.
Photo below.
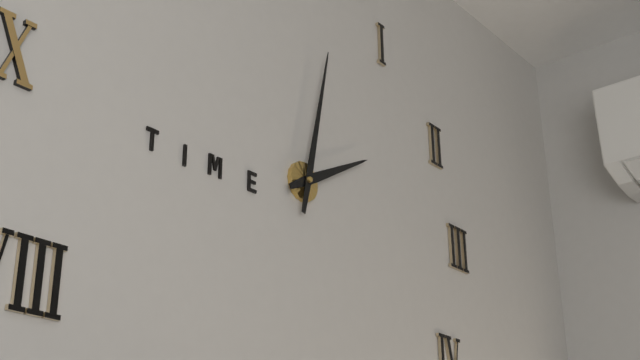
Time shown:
**2:02**
